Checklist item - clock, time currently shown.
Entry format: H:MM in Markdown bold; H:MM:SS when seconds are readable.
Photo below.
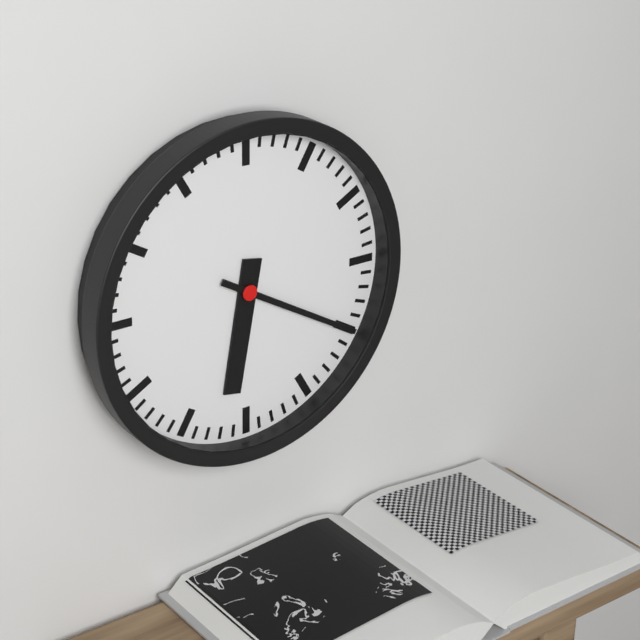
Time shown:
**6:20**
